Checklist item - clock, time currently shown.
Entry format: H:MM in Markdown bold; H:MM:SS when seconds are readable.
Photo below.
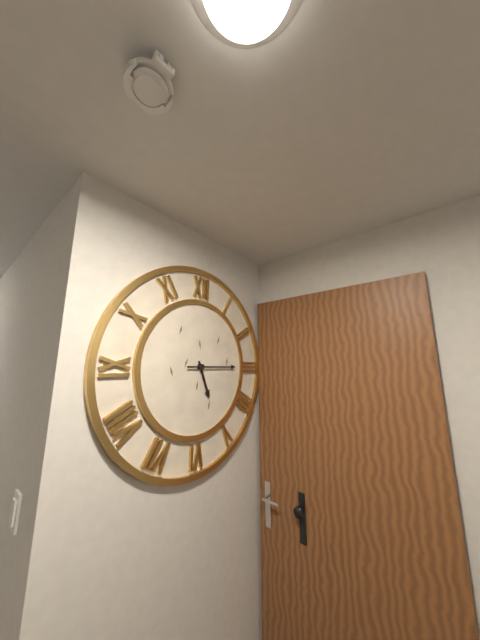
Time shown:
**5:15**
